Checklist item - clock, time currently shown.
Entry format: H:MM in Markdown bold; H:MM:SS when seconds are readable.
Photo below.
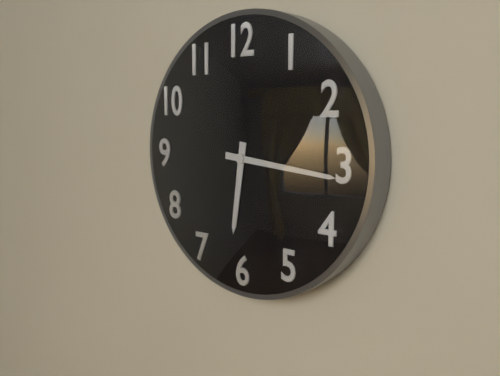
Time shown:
**6:16**
